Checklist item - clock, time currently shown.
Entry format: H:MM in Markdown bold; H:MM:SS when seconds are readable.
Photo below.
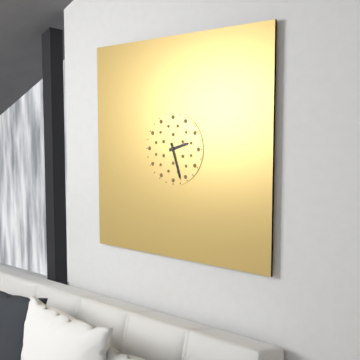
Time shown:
**2:27**
